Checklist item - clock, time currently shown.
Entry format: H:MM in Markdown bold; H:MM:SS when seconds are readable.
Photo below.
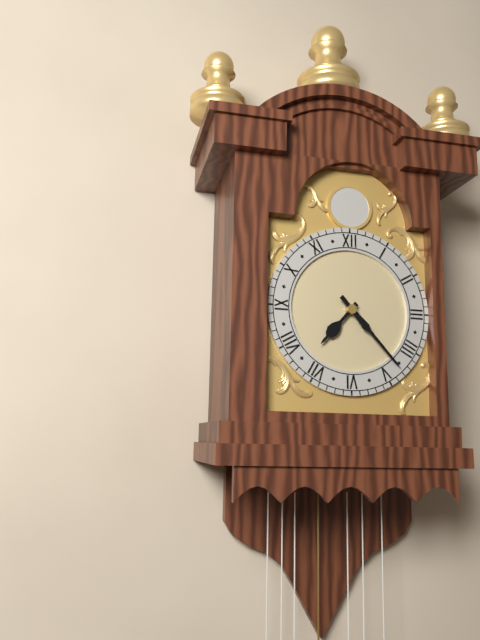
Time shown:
**7:23**
